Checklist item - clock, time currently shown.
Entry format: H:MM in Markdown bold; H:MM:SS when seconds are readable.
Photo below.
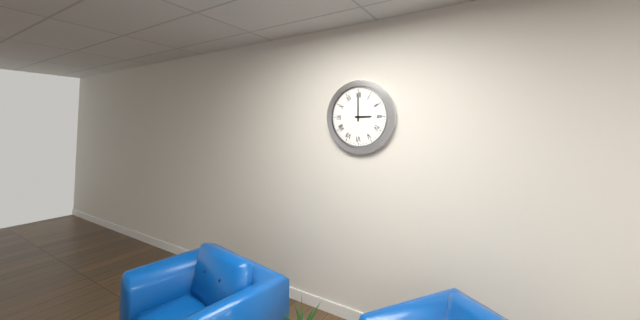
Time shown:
**3:00**
